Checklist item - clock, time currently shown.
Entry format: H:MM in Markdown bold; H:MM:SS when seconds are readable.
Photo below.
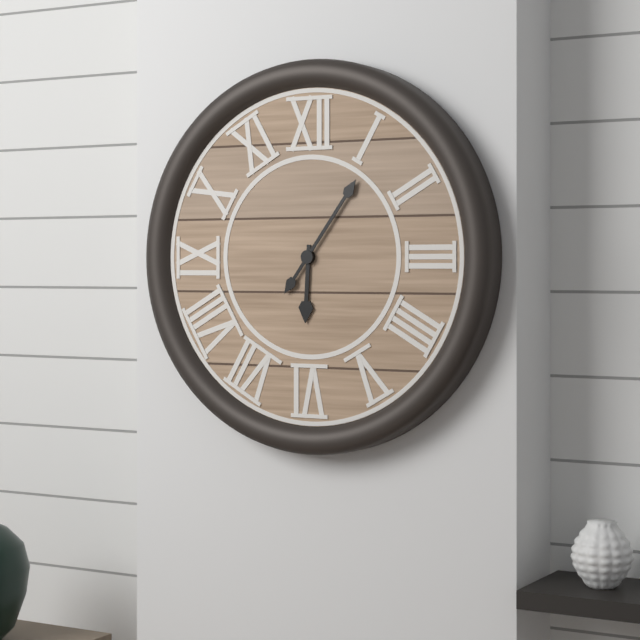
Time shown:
**6:06**
